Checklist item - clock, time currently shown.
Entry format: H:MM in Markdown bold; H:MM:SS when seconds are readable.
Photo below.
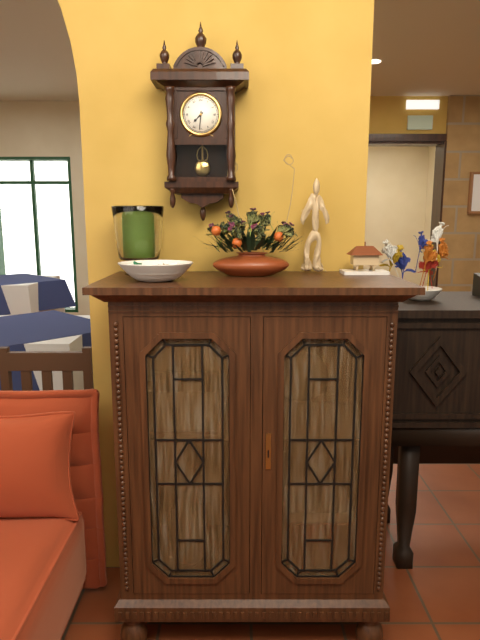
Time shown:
**7:31**
